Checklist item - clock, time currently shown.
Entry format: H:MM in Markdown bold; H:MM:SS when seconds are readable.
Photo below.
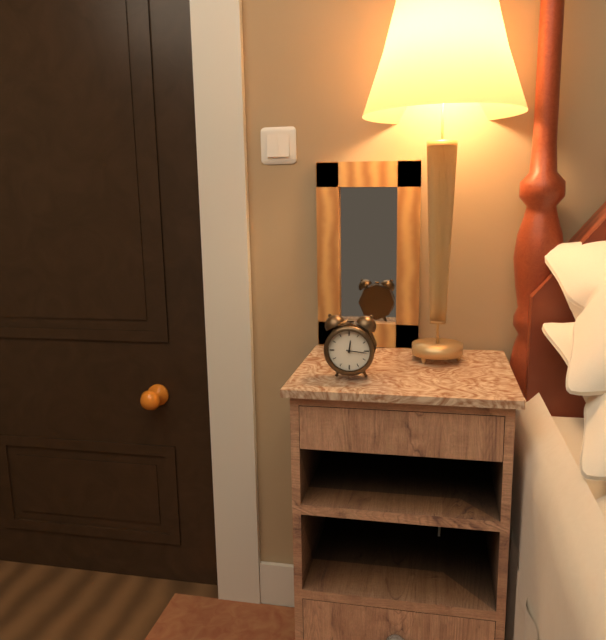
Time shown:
**12:16**
